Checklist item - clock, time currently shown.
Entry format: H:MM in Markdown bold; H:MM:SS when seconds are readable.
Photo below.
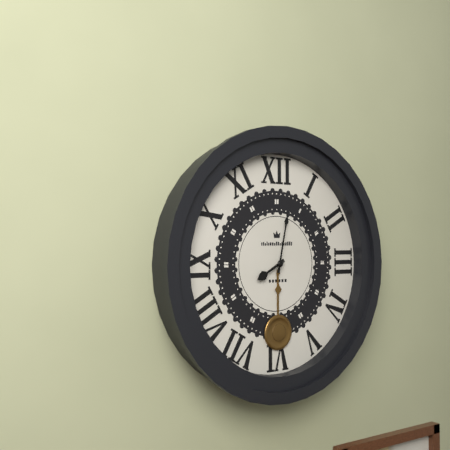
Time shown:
**8:02**
